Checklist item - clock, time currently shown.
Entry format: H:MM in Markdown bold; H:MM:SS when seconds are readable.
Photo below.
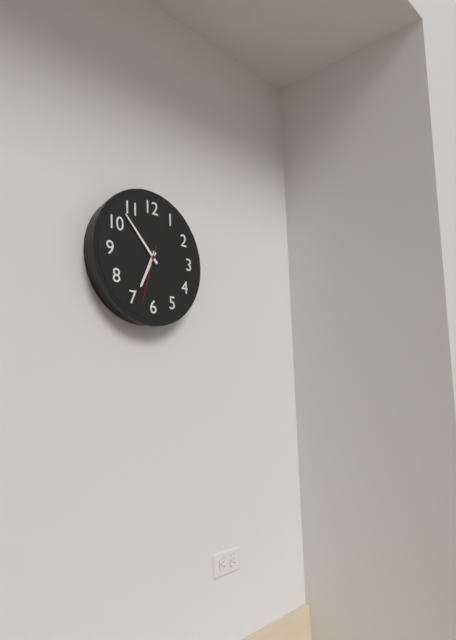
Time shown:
**6:53:33**
